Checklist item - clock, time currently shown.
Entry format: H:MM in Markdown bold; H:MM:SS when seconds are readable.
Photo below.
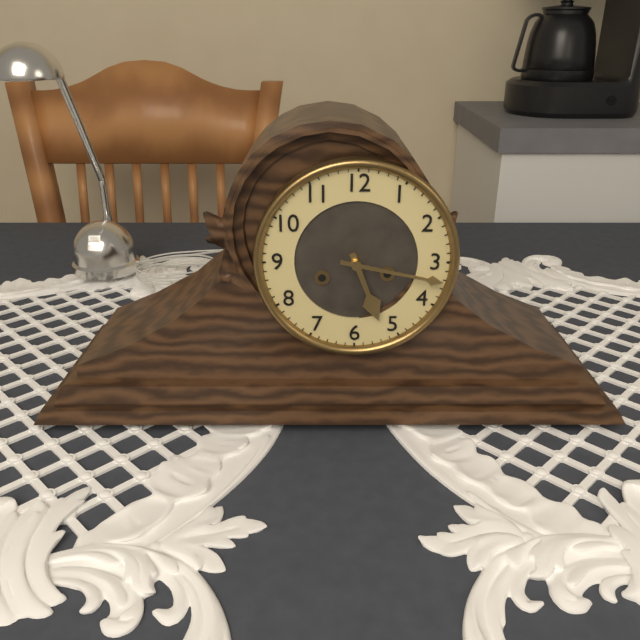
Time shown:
**5:17**
